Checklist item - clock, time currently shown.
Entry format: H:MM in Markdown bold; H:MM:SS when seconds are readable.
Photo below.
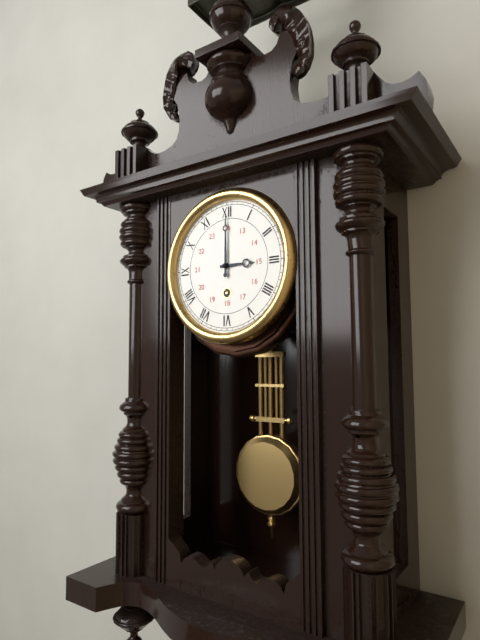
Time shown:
**3:00**
